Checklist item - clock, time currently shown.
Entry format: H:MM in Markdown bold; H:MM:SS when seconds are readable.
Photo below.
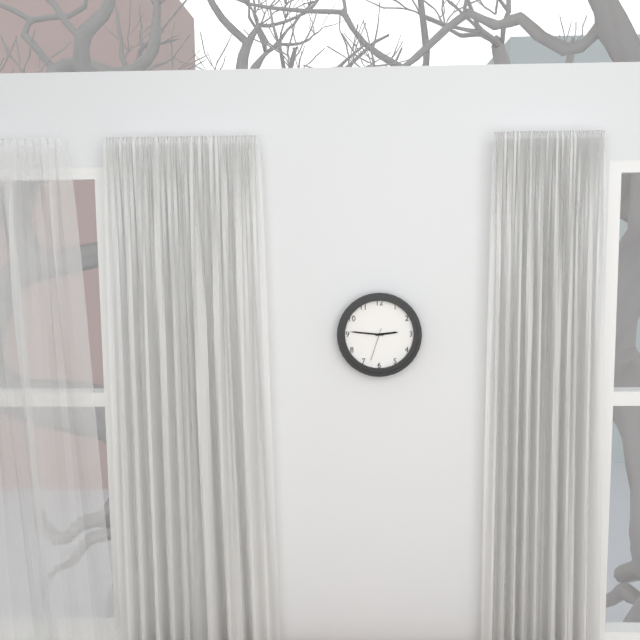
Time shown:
**2:46**
